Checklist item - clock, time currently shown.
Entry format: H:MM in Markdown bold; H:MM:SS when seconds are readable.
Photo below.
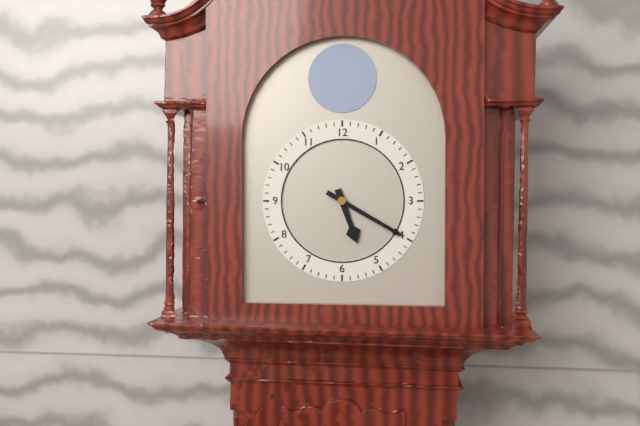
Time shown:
**5:20**
